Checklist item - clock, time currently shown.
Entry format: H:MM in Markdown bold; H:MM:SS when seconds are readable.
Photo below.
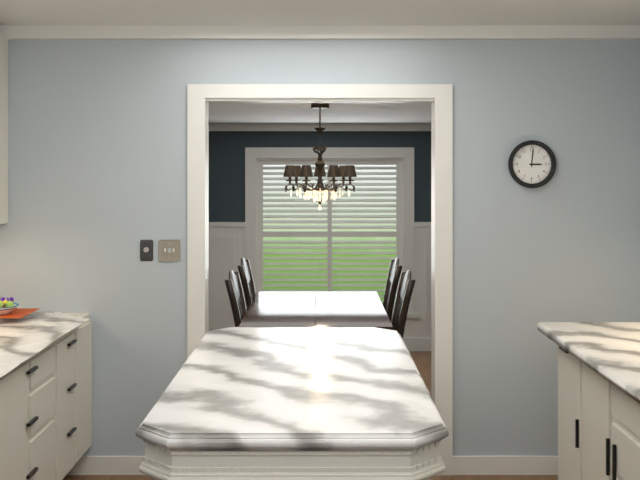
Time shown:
**3:01**
